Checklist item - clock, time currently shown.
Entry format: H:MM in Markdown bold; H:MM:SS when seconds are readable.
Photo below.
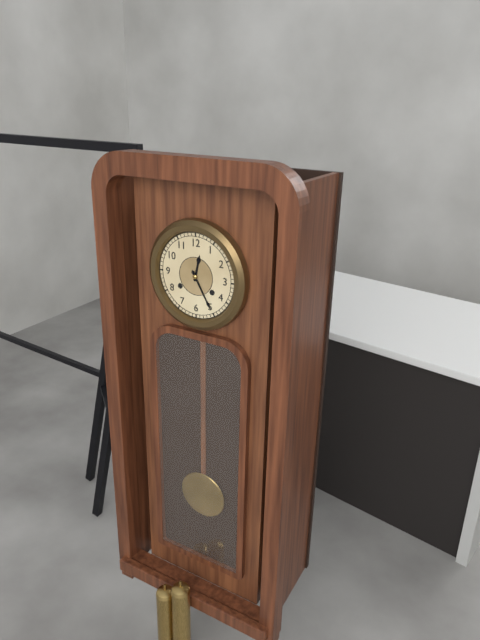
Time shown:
**12:25**
